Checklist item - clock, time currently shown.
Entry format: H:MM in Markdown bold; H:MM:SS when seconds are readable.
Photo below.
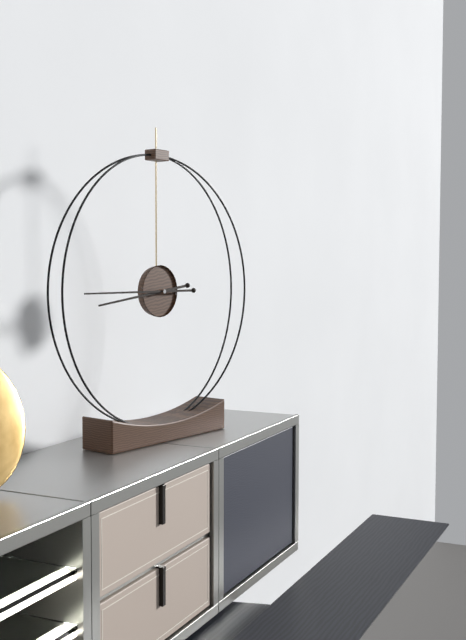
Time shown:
**8:45**
